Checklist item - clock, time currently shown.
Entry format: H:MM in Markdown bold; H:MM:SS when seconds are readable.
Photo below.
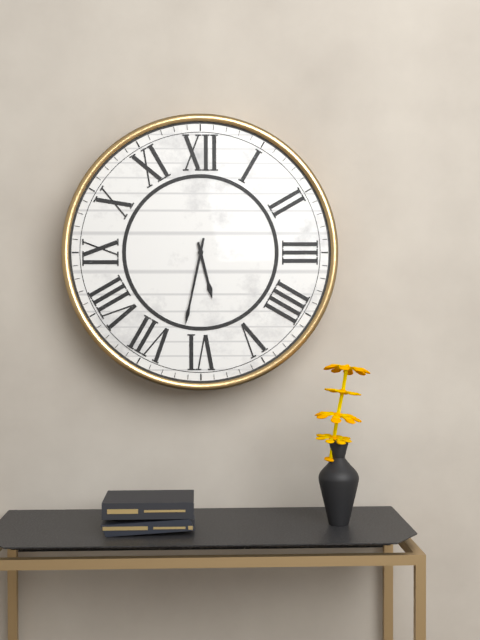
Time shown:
**5:32**
